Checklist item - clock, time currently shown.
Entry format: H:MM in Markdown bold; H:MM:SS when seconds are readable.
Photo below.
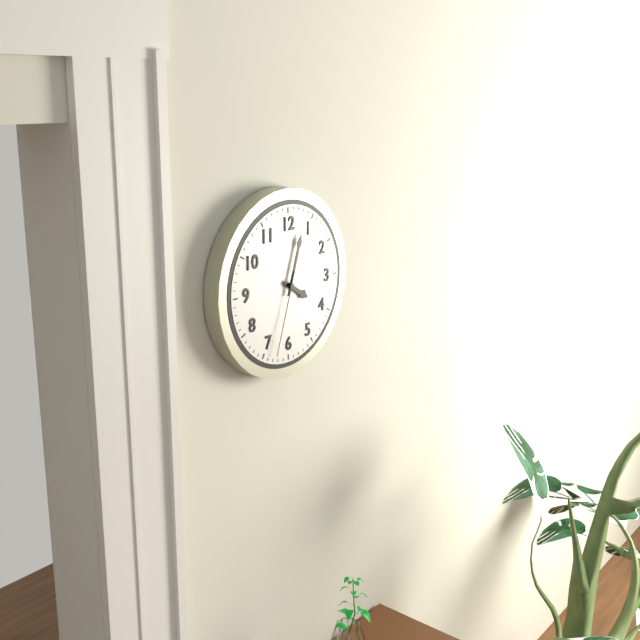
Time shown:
**4:03:33**
